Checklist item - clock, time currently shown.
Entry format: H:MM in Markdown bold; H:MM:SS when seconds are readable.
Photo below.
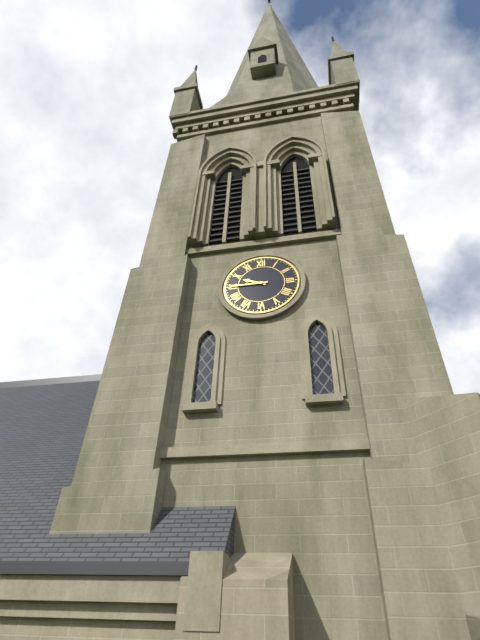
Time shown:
**9:45**
